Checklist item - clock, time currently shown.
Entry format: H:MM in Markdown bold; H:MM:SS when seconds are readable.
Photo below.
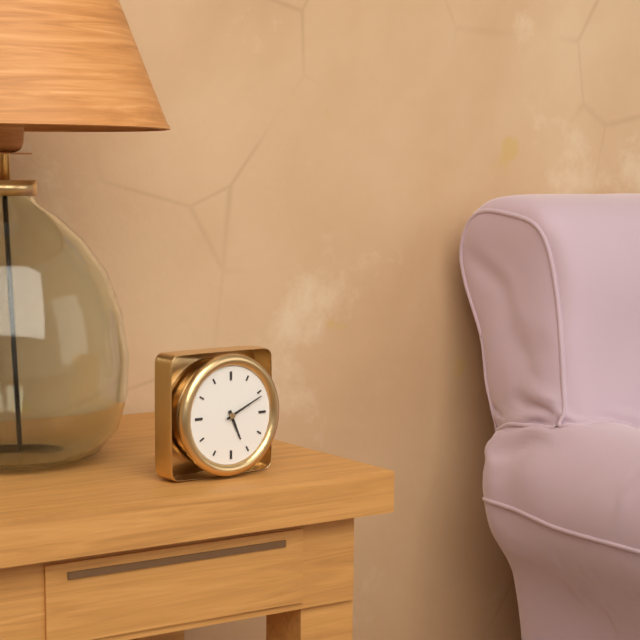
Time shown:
**5:11**
